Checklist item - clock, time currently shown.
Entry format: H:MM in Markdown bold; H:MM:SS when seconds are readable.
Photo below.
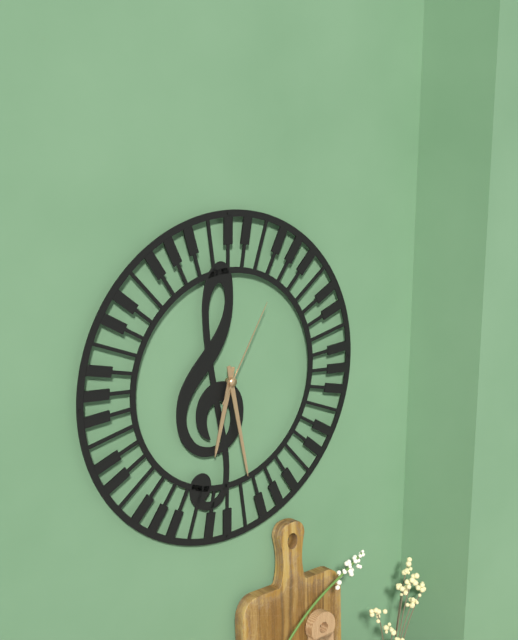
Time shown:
**6:28:05**
